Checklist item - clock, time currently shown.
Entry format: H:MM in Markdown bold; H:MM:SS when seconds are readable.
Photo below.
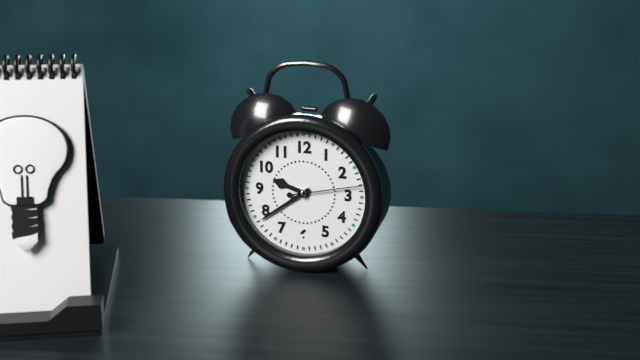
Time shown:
**9:39:13**
